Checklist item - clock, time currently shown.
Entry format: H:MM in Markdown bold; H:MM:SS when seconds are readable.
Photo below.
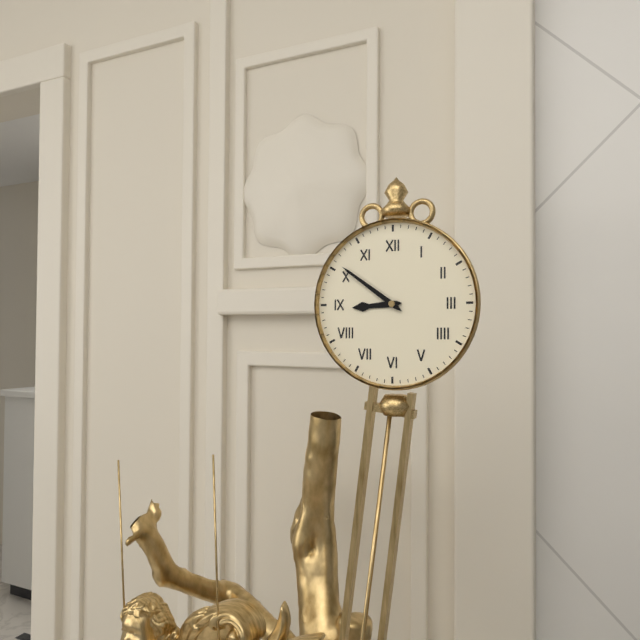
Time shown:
**8:51**
